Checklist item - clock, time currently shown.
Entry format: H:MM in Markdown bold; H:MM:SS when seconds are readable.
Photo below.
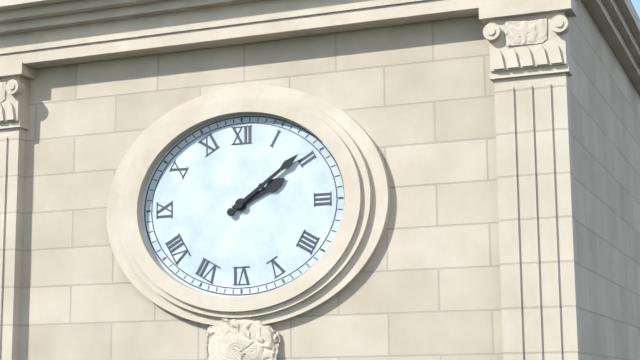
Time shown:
**2:09**
